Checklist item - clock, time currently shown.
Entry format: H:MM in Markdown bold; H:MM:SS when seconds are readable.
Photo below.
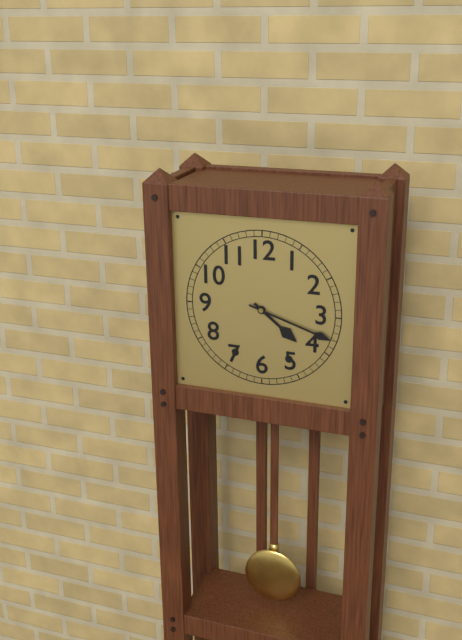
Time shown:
**4:18**
